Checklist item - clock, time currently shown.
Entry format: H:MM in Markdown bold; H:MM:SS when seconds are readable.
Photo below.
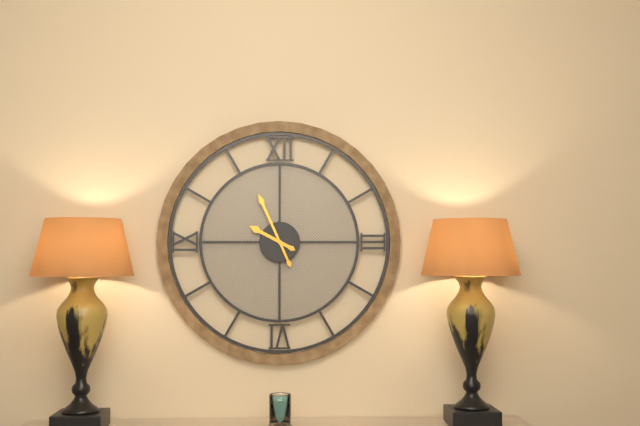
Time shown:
**9:56**
